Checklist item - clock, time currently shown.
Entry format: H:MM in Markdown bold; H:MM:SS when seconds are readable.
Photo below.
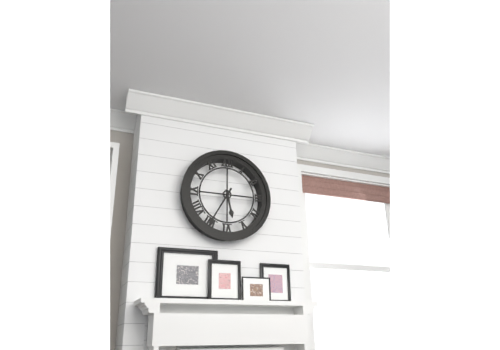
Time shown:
**5:35**
